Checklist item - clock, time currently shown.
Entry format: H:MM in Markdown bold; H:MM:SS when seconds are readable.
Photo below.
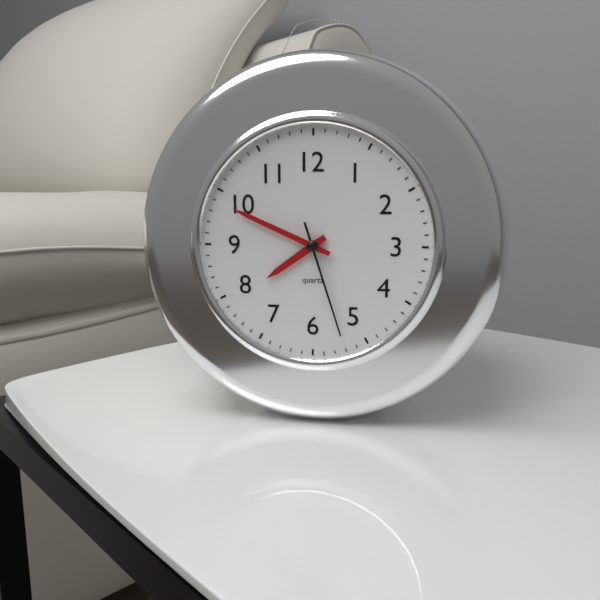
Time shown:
**7:49:27**
